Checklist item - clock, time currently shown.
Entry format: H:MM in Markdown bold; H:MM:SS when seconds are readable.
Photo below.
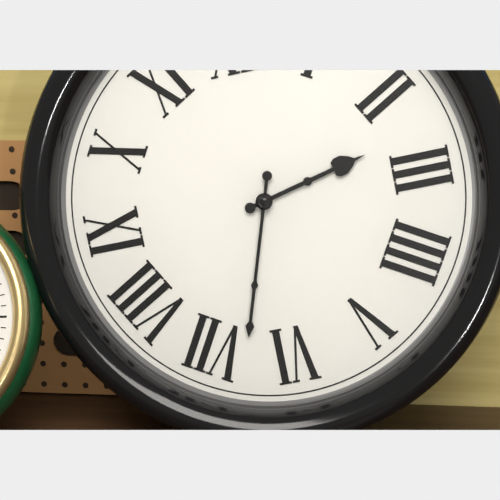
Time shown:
**2:33**
